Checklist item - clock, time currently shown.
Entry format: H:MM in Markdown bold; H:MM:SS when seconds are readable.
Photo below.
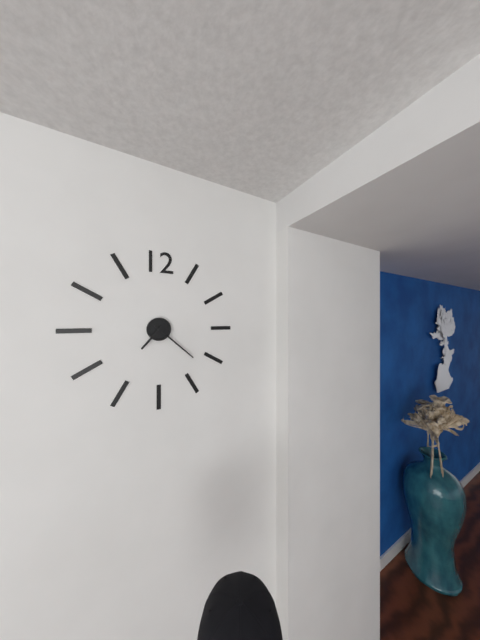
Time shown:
**7:22**
